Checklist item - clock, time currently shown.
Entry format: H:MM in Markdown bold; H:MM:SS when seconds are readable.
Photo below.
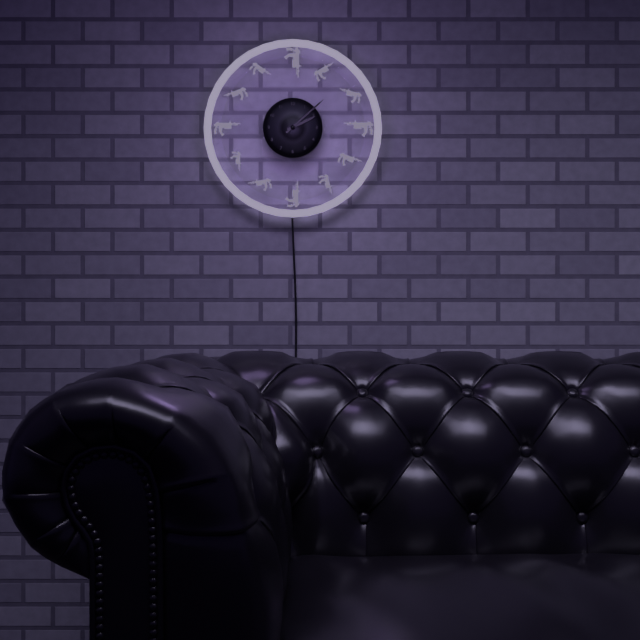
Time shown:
**2:08**
